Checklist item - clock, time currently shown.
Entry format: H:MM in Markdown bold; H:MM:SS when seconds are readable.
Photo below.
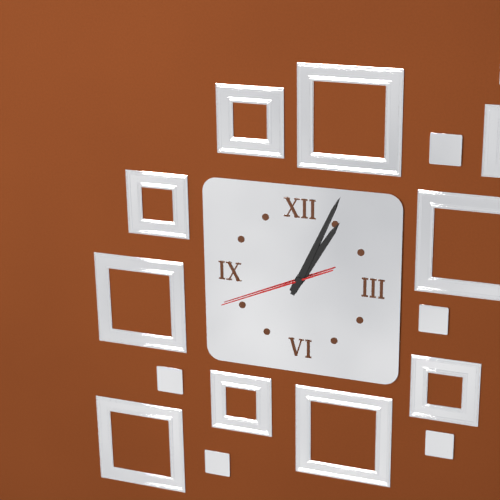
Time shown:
**1:04:41**
